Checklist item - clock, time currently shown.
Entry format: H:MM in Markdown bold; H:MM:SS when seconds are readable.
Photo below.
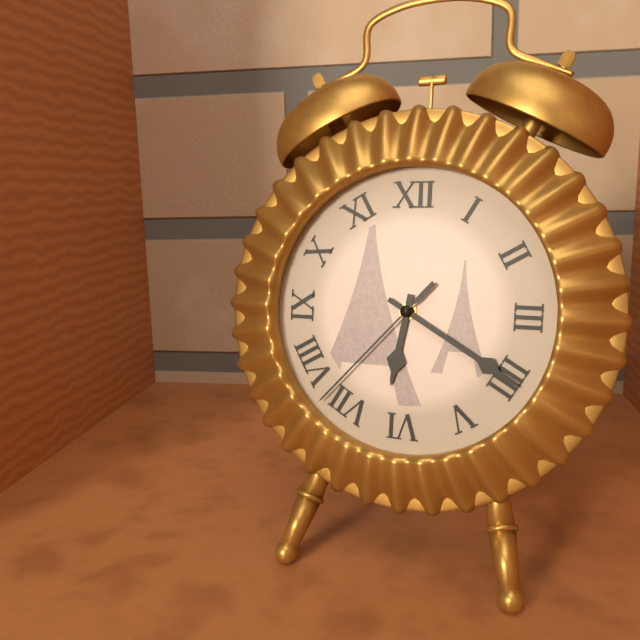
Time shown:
**6:20:37**
